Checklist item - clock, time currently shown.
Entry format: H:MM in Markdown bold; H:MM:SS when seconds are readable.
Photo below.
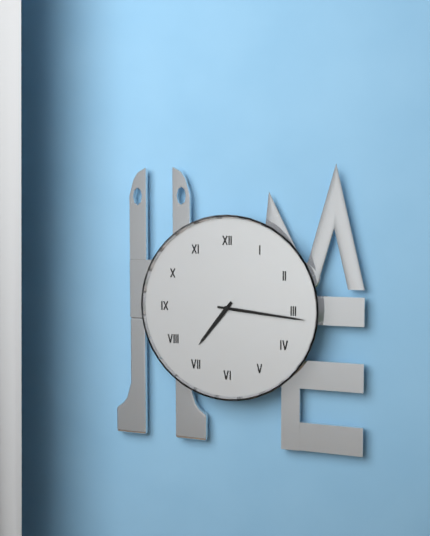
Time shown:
**7:16**
